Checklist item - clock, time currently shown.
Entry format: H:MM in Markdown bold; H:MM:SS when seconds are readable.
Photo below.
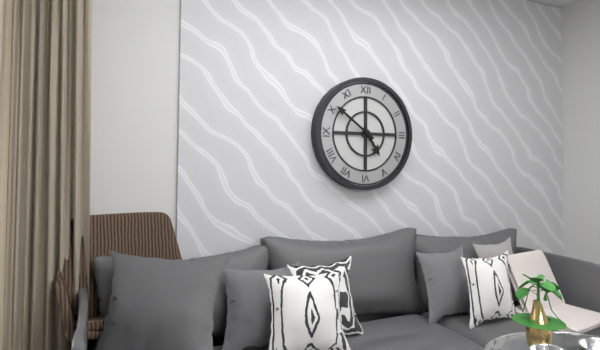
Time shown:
**4:51**
